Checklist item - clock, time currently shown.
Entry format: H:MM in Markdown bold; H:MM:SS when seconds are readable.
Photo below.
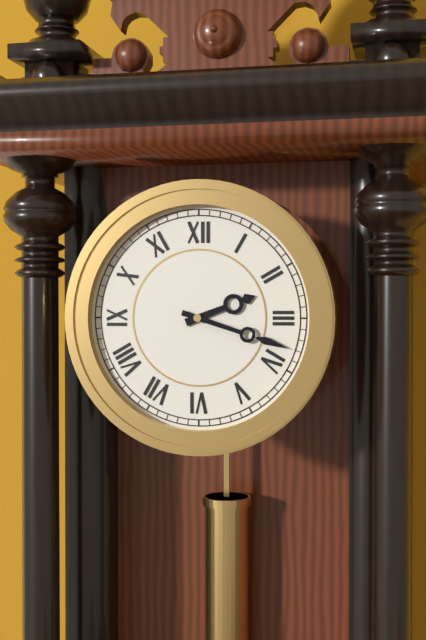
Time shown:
**2:18**
